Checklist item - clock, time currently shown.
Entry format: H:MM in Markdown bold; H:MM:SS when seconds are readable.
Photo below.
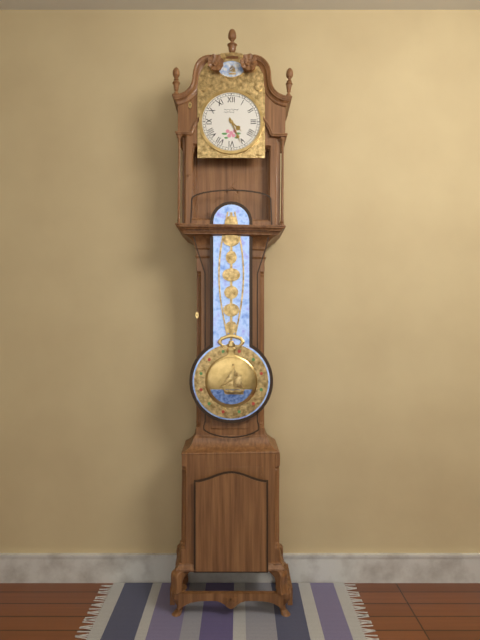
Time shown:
**4:26**
